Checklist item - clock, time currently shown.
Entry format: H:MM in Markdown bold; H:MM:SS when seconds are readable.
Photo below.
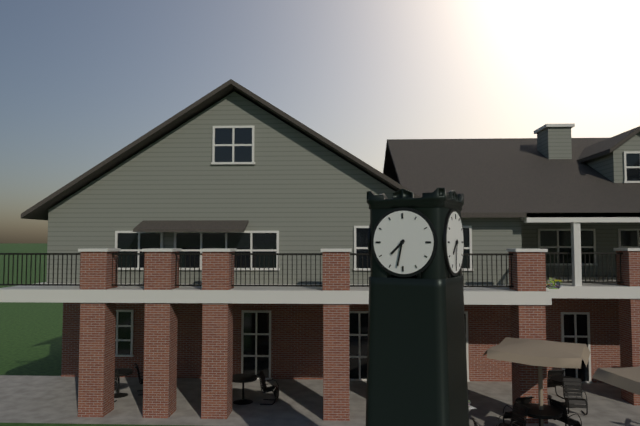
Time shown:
**7:32**
